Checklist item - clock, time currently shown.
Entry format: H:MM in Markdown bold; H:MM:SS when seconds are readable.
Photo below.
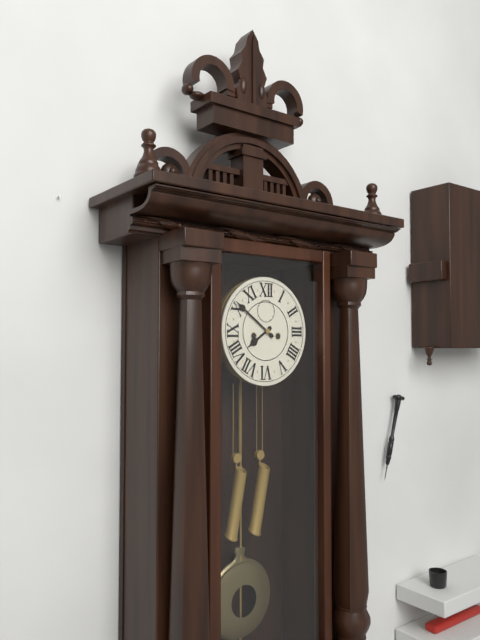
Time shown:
**7:51**
